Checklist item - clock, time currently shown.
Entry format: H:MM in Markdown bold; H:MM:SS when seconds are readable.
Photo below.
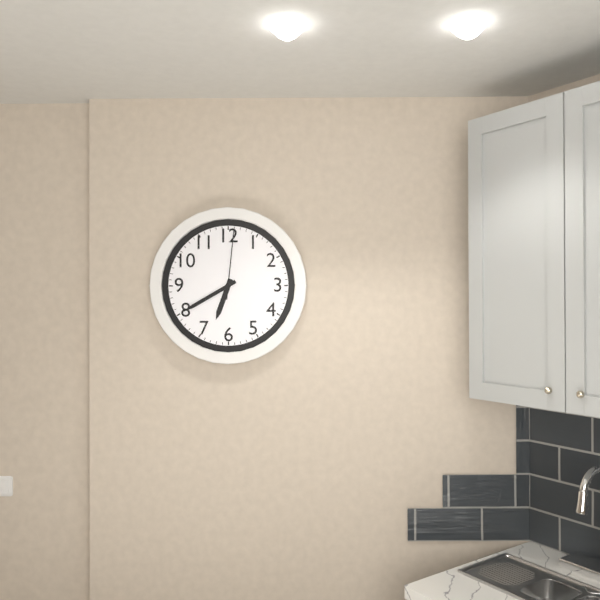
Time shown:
**6:40:01**
